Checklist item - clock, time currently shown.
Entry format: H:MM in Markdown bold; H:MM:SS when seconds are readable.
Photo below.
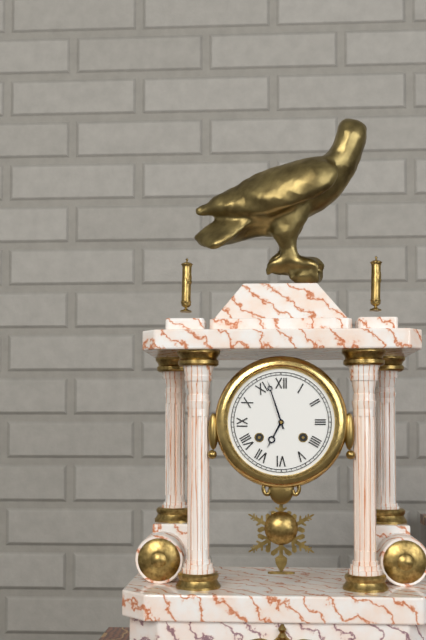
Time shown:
**6:57**
